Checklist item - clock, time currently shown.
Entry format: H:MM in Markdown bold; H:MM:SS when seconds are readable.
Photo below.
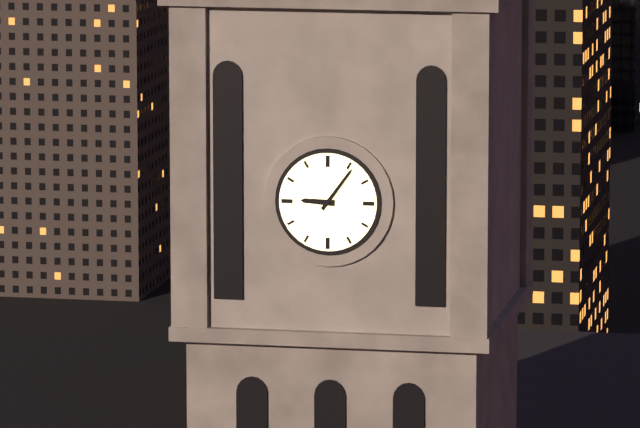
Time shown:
**9:06**
